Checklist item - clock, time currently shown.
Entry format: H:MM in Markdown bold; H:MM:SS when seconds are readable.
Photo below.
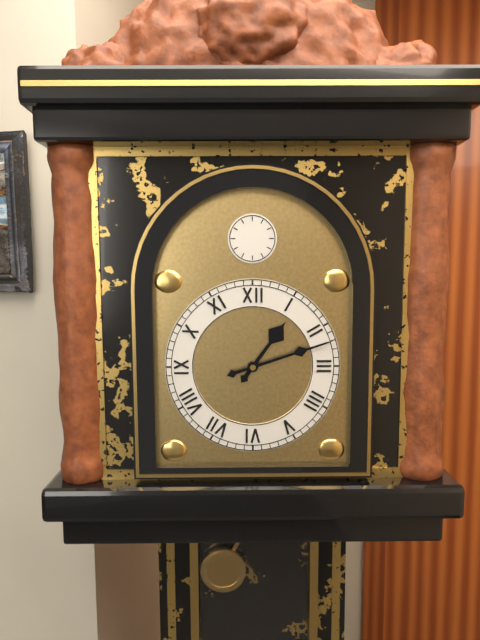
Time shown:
**1:12**
